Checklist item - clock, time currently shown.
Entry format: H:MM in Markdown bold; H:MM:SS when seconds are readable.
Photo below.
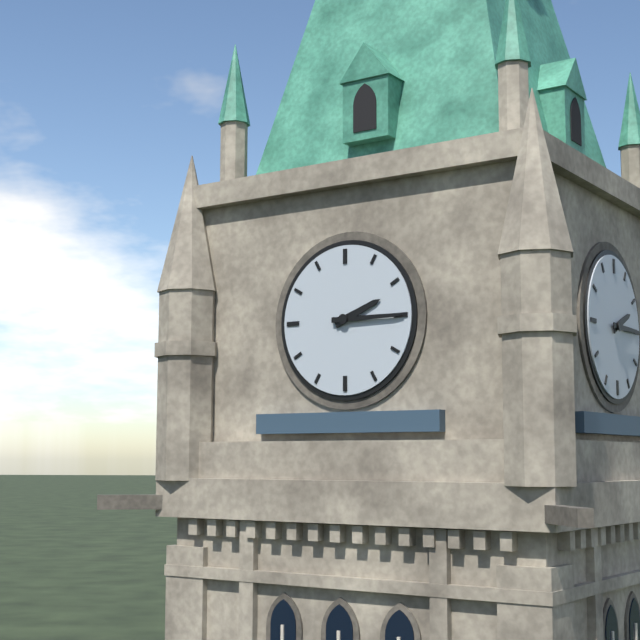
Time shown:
**2:15**
